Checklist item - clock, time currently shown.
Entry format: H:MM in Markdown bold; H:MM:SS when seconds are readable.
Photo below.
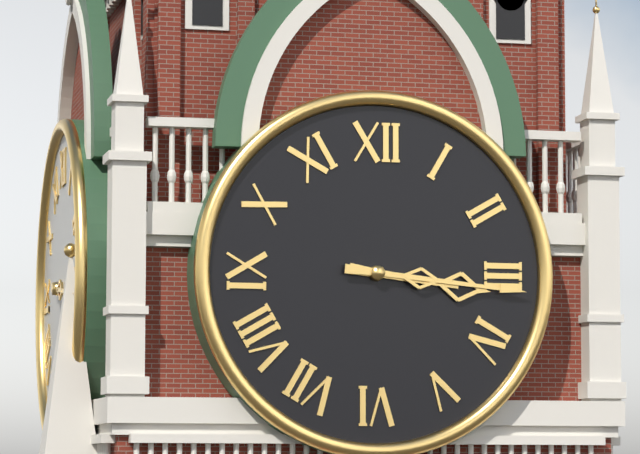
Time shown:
**3:16**
